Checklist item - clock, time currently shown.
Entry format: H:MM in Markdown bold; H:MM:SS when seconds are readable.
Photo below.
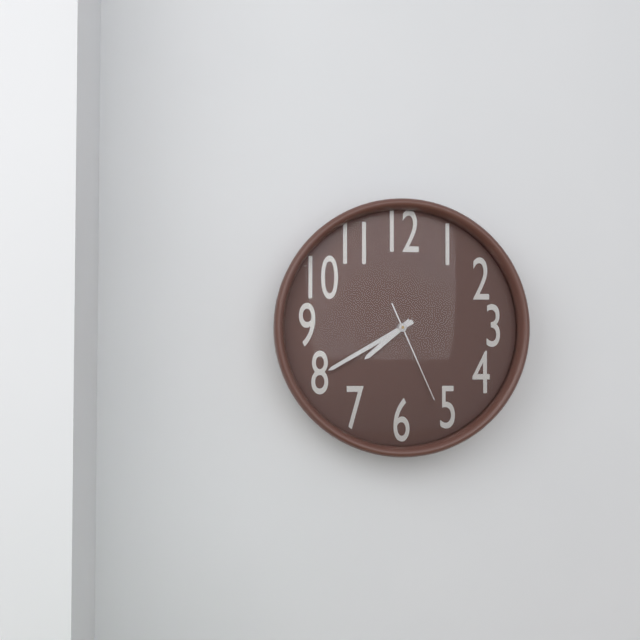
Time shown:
**7:40:26**
